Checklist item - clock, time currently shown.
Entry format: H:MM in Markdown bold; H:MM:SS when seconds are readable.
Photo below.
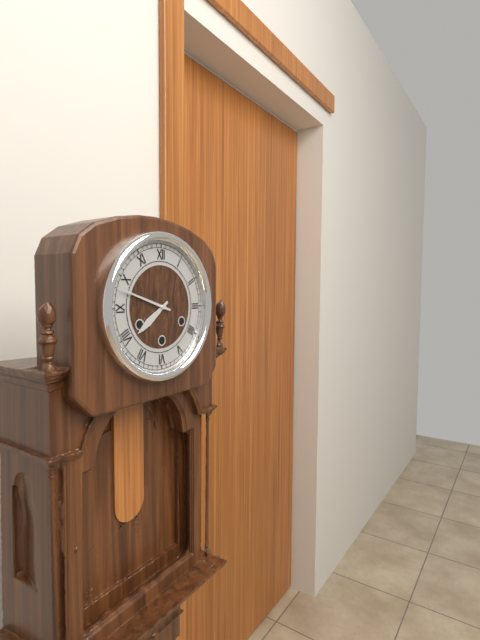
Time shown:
**7:48**
